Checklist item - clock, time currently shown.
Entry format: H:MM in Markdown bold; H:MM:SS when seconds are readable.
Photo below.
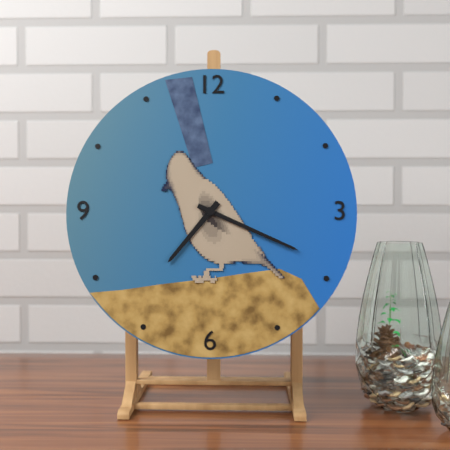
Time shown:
**7:19**
